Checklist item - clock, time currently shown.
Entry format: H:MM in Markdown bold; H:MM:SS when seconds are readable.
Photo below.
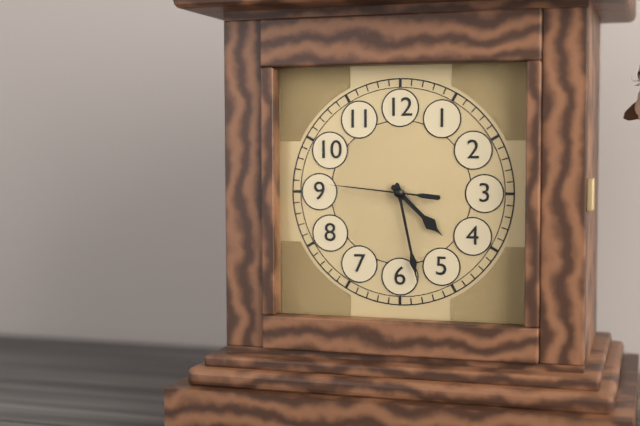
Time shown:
**4:28:46**
